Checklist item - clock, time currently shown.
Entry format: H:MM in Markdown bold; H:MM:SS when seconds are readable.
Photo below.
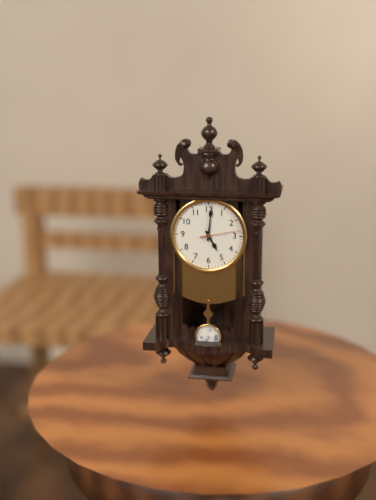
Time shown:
**5:01**
